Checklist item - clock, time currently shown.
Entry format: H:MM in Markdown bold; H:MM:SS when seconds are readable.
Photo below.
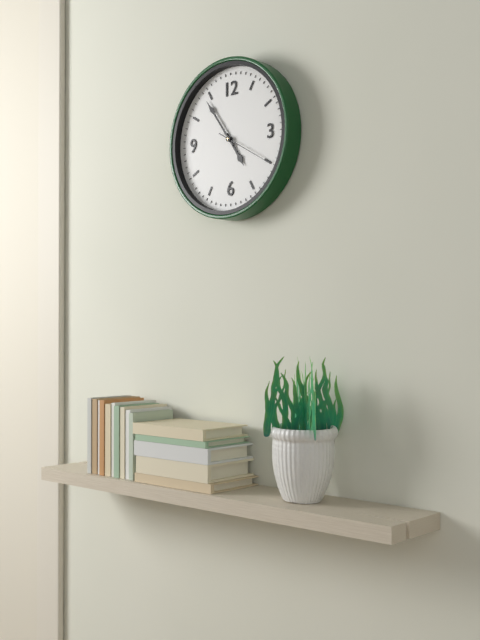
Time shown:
**4:54:20**
